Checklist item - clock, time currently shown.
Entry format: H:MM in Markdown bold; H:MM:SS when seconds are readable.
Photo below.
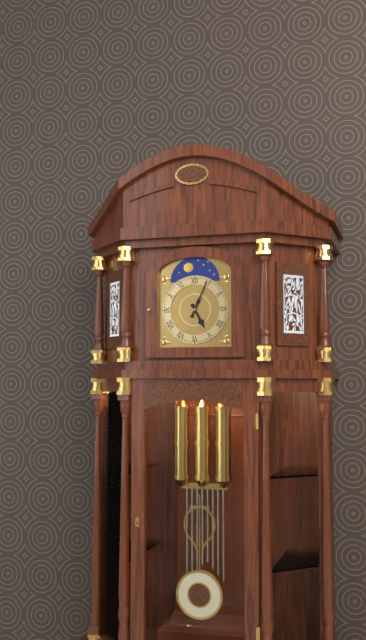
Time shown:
**5:04**
